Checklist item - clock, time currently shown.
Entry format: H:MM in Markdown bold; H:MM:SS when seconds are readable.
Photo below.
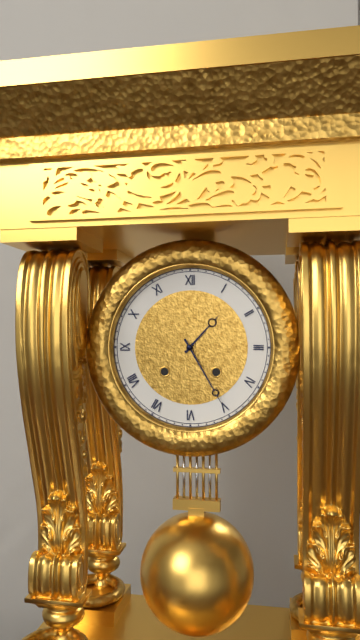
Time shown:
**1:25**
